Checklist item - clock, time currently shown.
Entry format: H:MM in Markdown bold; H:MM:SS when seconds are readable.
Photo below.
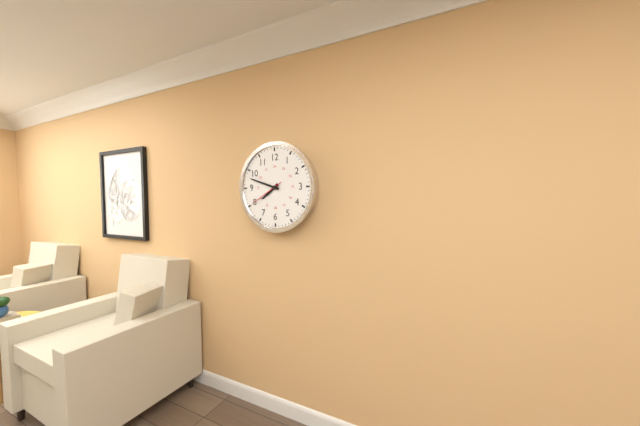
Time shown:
**7:48**
